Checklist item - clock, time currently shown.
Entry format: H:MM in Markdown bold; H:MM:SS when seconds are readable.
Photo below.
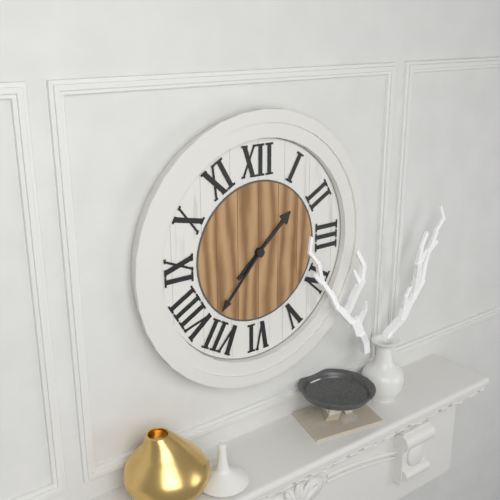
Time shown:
**1:37**
